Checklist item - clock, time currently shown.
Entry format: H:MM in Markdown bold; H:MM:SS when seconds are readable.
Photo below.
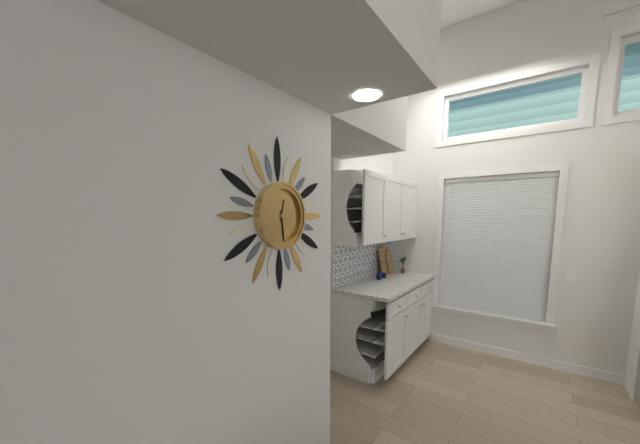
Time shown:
**12:29**
